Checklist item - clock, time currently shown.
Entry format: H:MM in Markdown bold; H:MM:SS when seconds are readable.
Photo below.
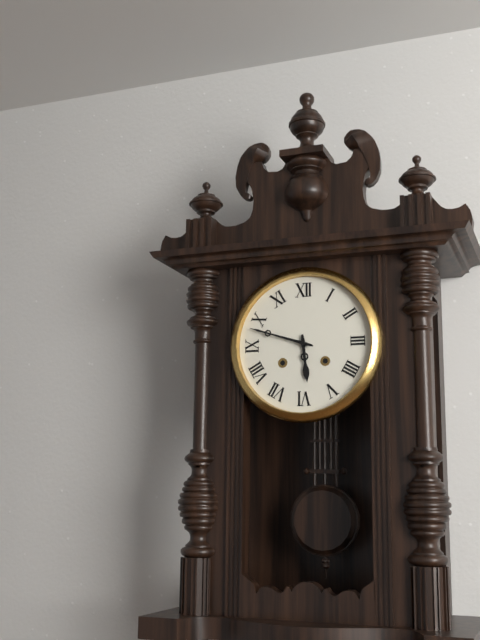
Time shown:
**5:48**
